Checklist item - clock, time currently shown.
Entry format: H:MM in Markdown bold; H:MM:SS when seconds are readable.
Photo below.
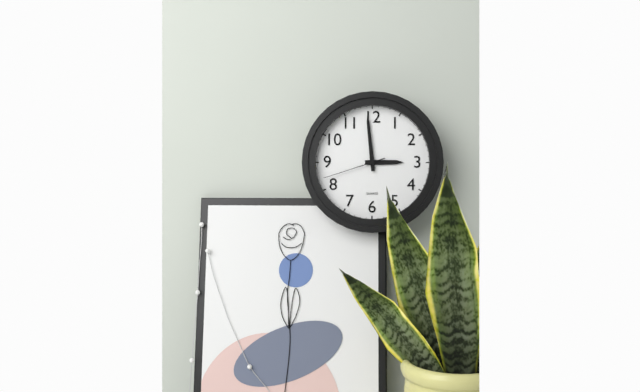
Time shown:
**2:59:42**
